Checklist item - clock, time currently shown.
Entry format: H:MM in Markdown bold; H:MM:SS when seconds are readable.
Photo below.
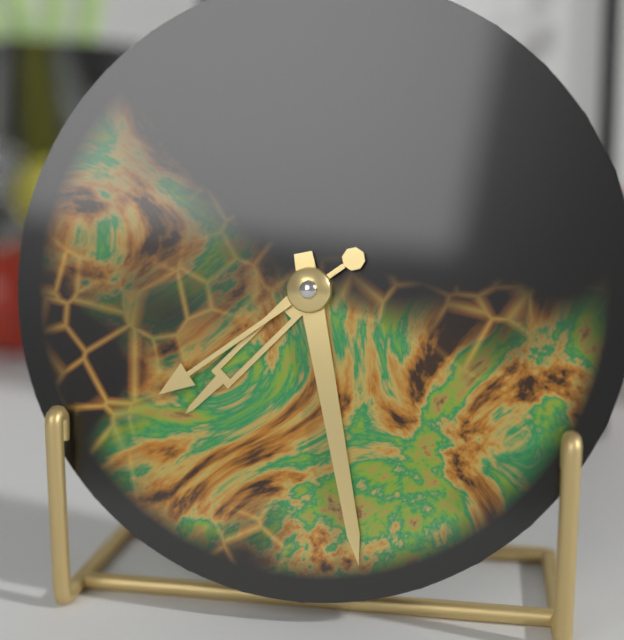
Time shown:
**7:28:39**
